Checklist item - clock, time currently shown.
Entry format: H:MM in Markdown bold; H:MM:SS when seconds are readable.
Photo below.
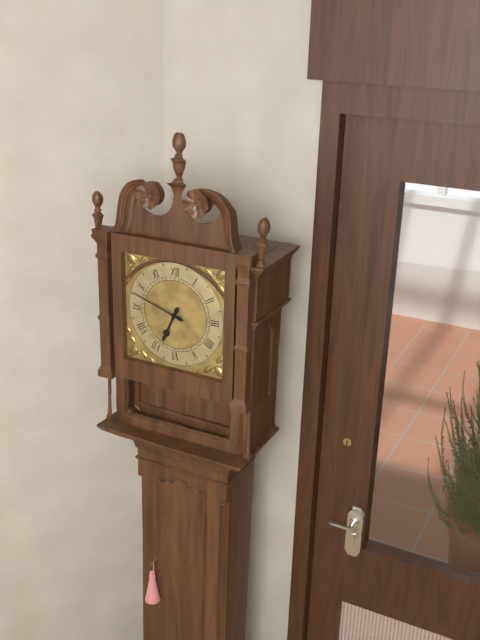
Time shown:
**6:48**
